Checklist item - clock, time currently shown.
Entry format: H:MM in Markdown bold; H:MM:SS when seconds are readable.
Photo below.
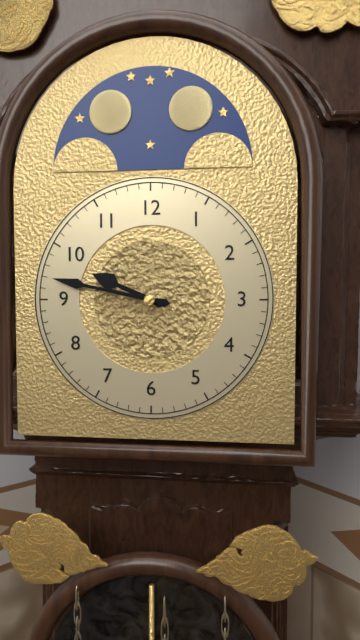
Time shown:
**9:47**
